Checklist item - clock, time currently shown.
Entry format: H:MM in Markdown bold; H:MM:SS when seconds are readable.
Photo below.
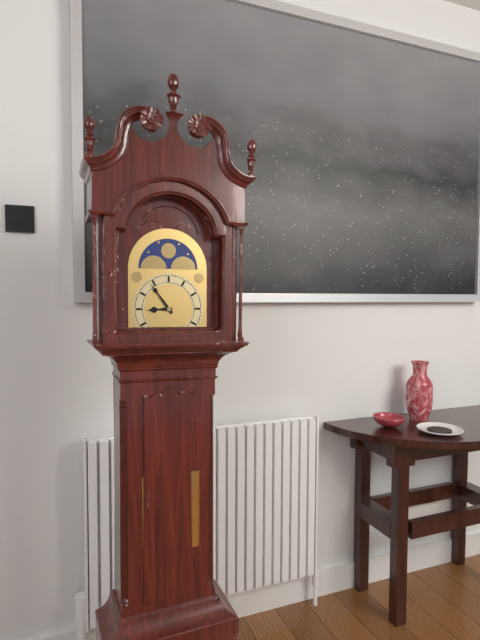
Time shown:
**8:54**
